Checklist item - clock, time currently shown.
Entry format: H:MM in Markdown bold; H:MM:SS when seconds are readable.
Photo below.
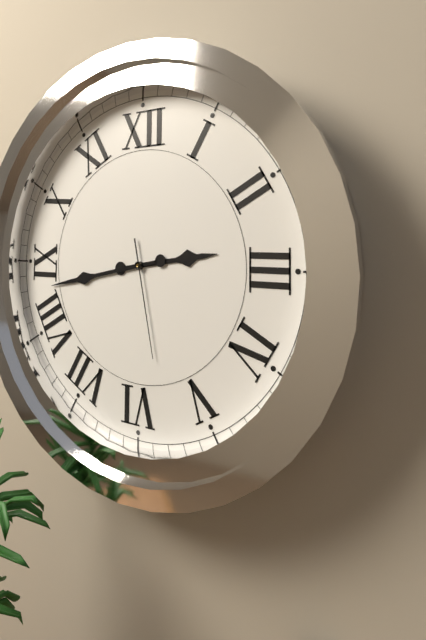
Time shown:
**2:43:28**
